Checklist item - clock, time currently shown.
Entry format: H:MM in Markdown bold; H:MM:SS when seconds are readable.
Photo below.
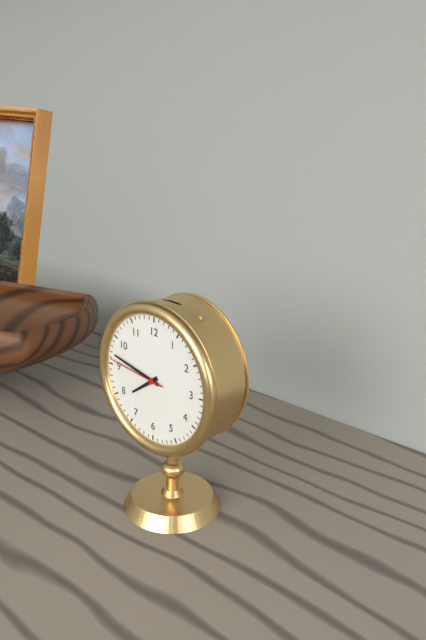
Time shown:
**7:47:46**
